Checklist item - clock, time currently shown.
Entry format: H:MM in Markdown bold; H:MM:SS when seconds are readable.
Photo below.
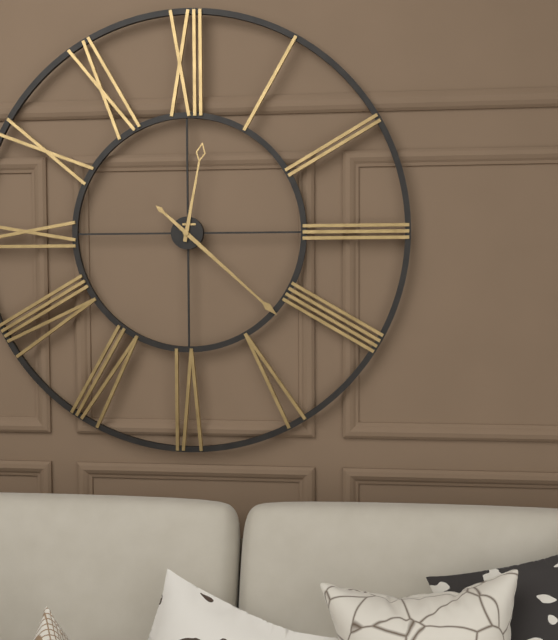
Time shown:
**12:22**
